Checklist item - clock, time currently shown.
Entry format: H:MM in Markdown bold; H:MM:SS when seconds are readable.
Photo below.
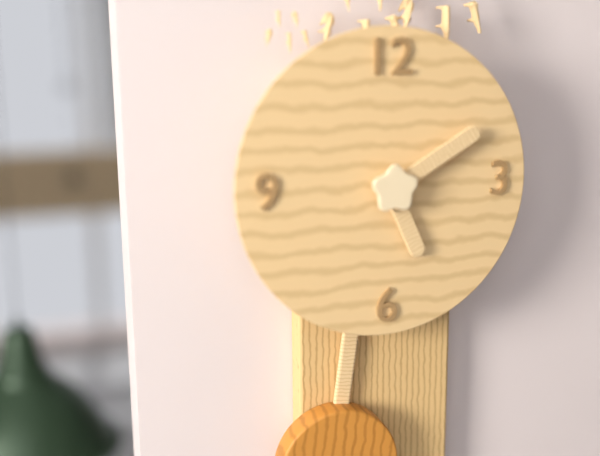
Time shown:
**5:10**
